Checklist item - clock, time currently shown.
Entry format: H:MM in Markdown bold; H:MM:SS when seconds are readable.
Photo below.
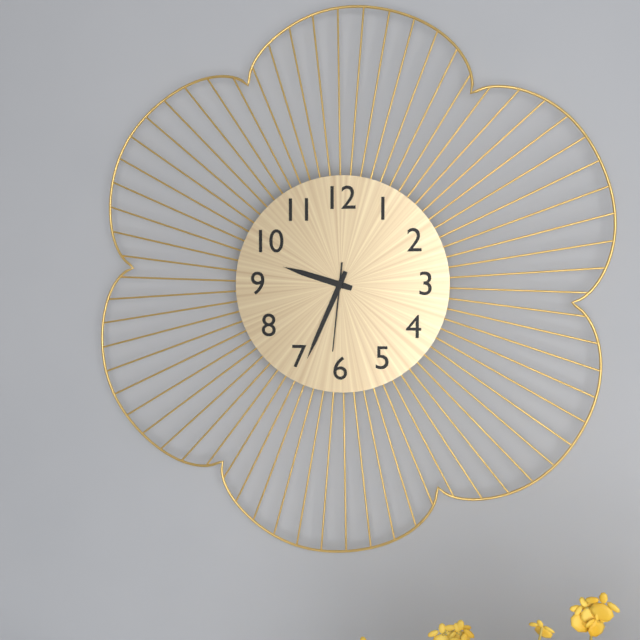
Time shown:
**9:34:31**
